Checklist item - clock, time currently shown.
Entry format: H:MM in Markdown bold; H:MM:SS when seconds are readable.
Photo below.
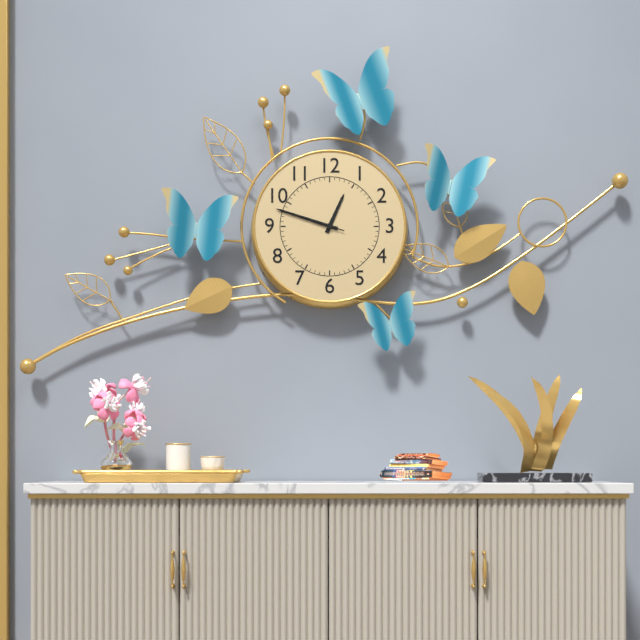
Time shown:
**12:48:48**
